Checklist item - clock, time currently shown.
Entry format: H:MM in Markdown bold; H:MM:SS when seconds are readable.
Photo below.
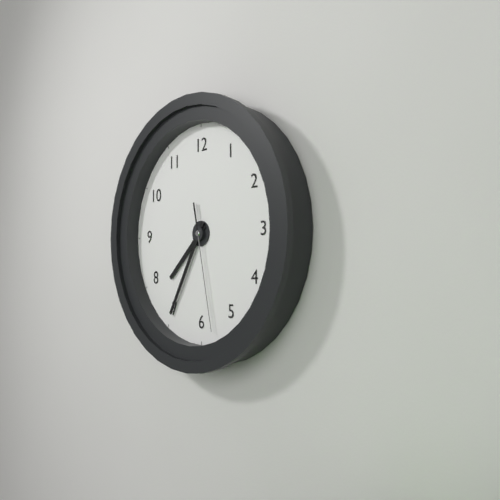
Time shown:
**7:35:28**
